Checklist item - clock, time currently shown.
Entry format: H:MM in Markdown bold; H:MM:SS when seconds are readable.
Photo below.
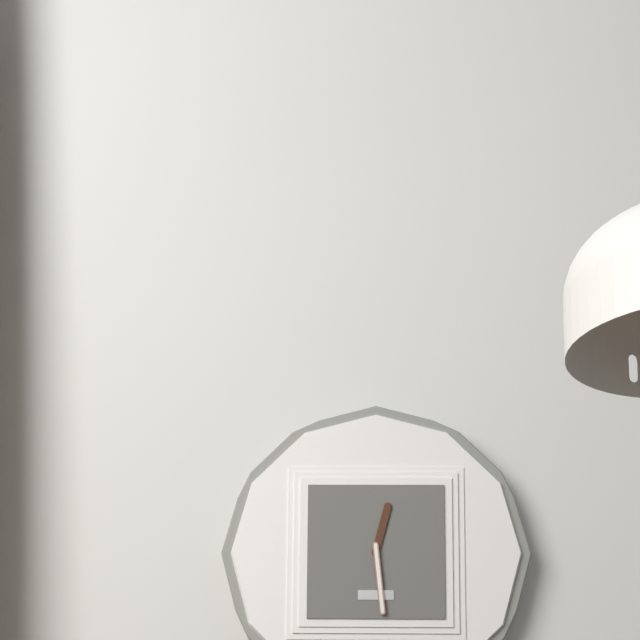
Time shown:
**12:29**
